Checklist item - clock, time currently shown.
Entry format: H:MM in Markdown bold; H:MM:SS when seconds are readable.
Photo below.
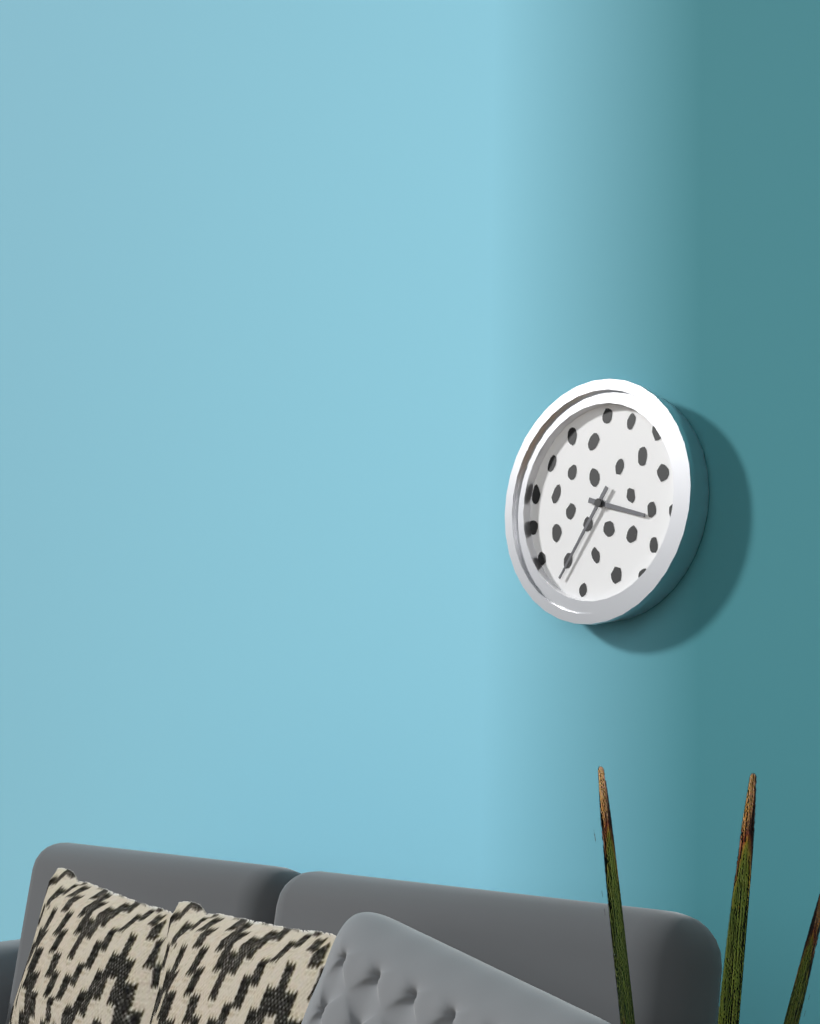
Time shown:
**3:36**
